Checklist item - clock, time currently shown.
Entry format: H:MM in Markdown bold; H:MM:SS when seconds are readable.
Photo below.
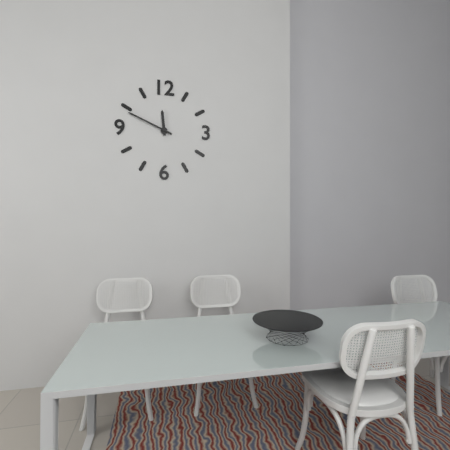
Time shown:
**11:49**
